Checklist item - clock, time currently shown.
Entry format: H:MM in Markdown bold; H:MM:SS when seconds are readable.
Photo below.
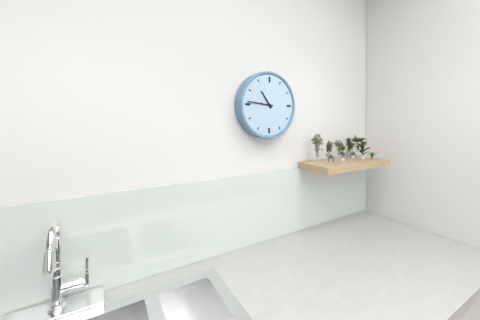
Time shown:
**10:46**
